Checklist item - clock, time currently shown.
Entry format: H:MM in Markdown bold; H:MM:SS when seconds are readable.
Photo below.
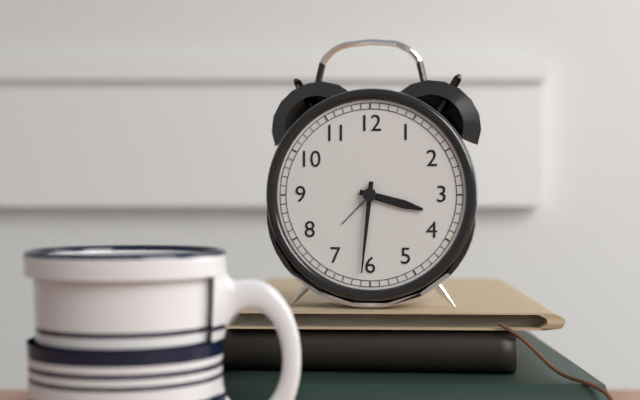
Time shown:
**3:31**
